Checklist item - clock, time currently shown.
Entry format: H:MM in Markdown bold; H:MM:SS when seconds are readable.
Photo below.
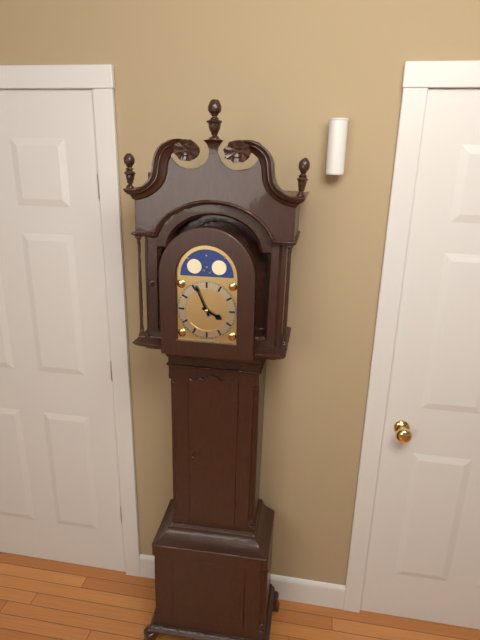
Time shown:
**3:56**
